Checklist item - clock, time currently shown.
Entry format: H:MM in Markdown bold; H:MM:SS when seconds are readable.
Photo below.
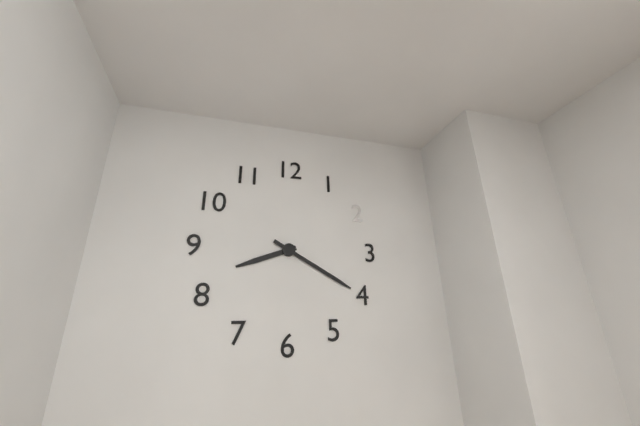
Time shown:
**8:20**
